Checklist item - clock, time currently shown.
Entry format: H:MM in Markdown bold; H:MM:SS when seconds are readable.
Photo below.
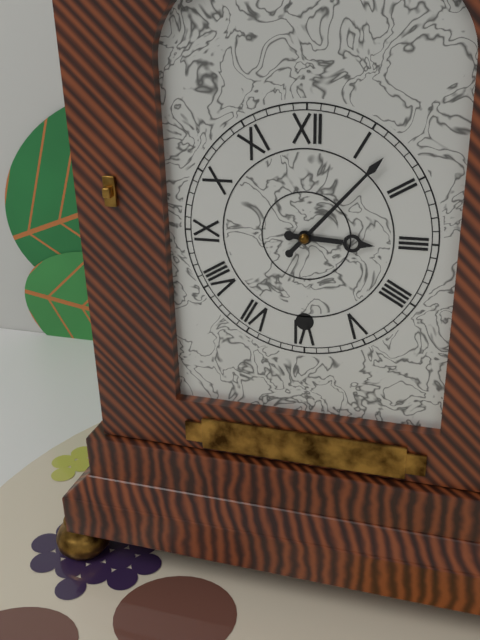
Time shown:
**3:07**
